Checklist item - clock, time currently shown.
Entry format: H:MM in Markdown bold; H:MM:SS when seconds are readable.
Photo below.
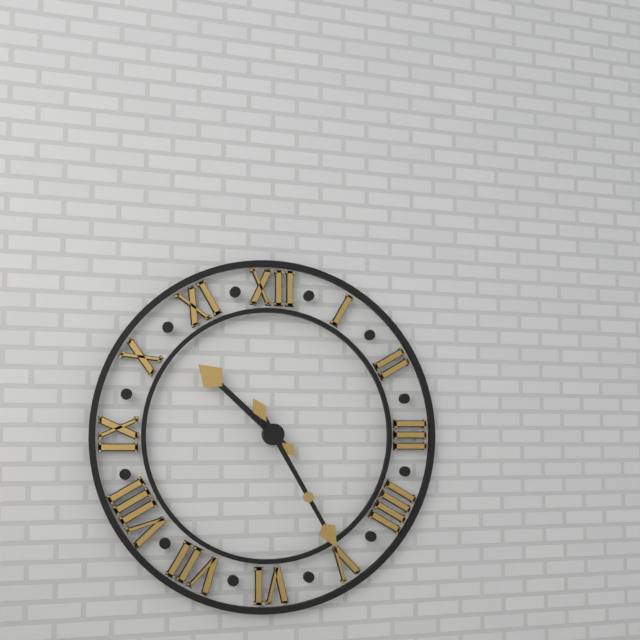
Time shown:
**10:25**
